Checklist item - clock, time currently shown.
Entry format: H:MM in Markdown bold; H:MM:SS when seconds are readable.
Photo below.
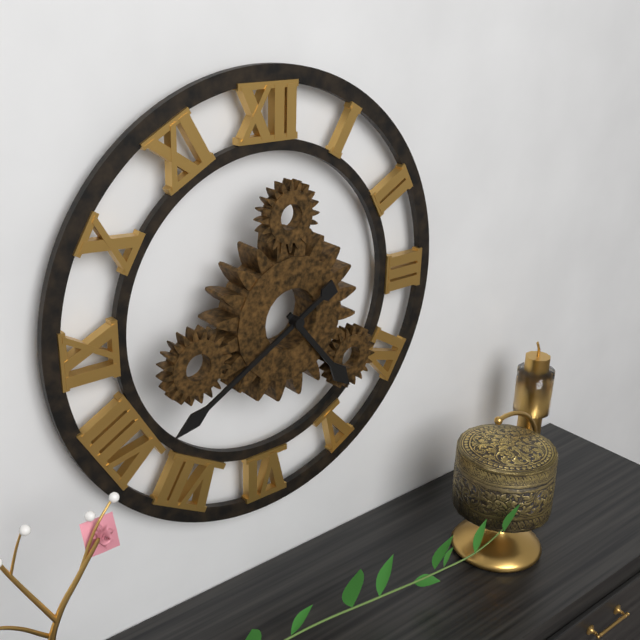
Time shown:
**4:40**
